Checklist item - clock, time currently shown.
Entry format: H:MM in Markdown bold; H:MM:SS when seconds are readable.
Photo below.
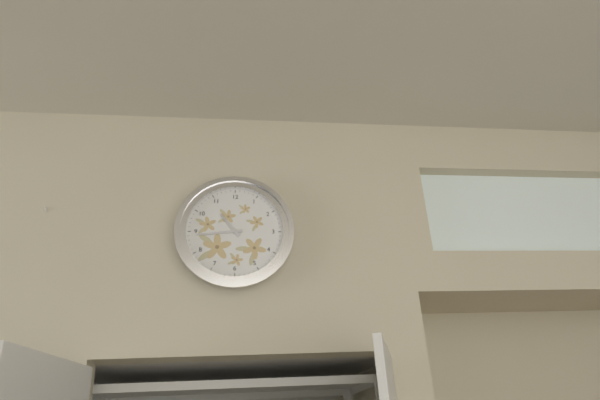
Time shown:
**10:44**
